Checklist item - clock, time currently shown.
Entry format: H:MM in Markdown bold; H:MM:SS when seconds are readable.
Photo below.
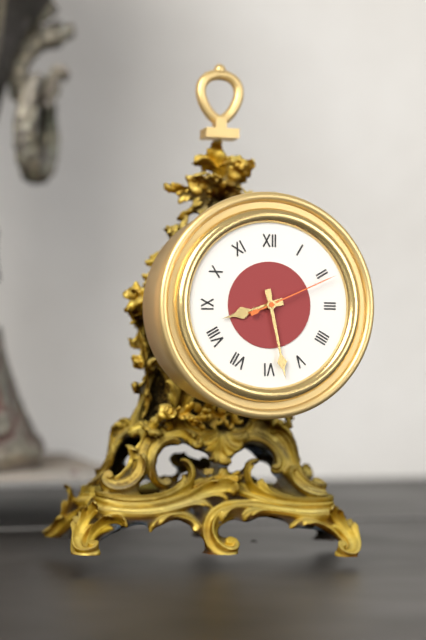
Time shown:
**8:28:11**
